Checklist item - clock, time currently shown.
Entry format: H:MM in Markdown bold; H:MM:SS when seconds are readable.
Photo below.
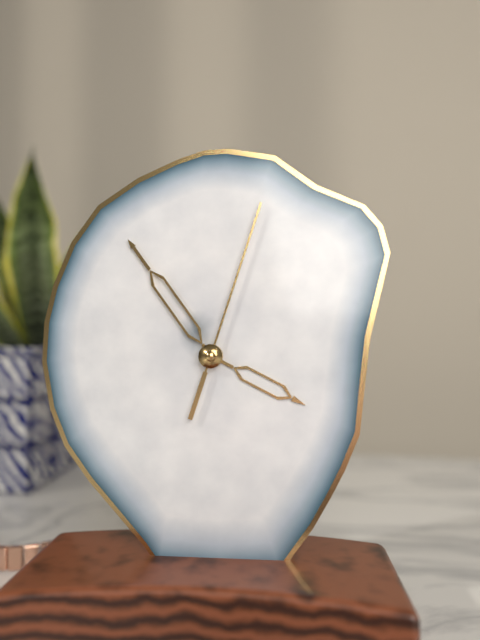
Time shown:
**3:54:03**
